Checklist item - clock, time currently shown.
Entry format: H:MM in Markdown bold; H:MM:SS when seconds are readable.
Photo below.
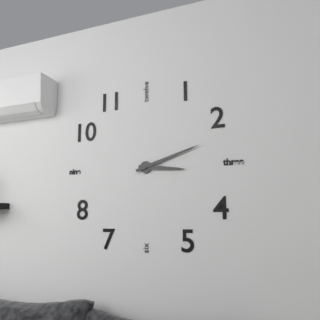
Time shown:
**3:12**
